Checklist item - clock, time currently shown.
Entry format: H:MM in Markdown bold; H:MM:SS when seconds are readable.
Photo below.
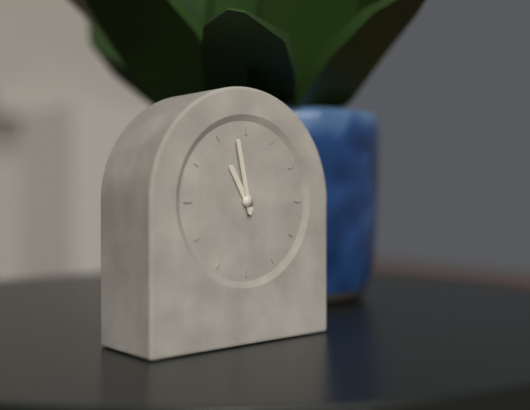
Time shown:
**10:58**
